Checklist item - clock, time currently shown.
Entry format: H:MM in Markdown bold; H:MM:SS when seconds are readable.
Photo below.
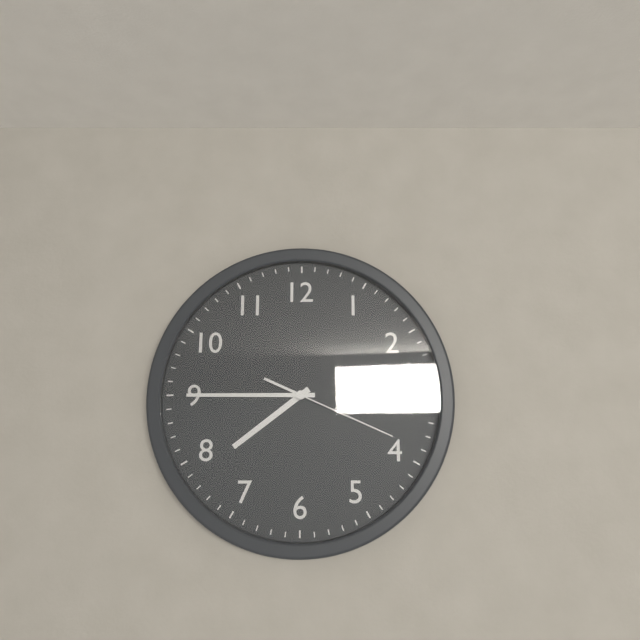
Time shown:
**7:45:19**
